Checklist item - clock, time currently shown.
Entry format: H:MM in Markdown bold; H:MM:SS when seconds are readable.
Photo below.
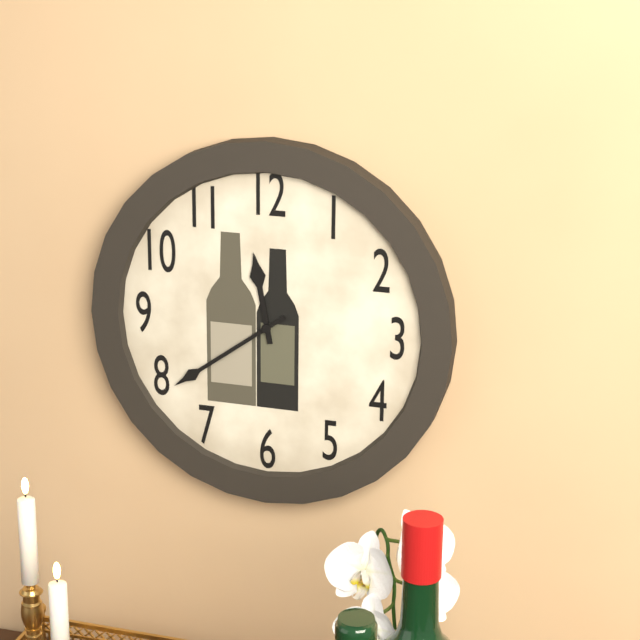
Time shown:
**11:39**
